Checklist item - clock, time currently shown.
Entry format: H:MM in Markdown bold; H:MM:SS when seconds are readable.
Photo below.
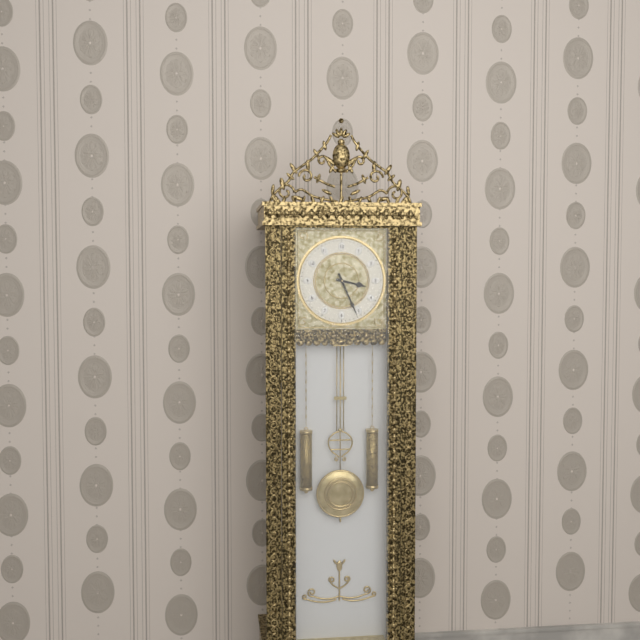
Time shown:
**3:26**
